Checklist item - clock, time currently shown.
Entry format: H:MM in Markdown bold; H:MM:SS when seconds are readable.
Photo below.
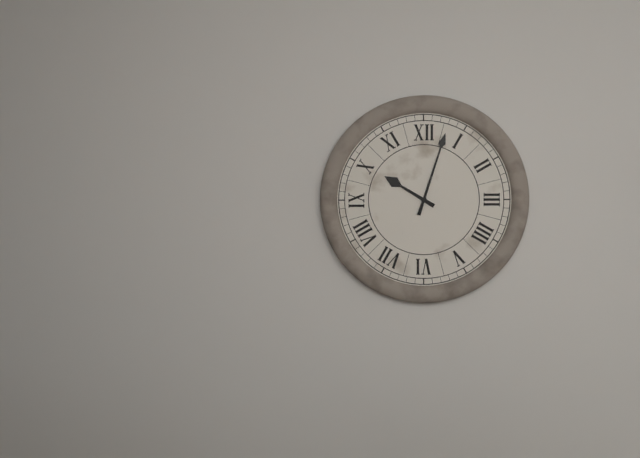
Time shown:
**10:03**
